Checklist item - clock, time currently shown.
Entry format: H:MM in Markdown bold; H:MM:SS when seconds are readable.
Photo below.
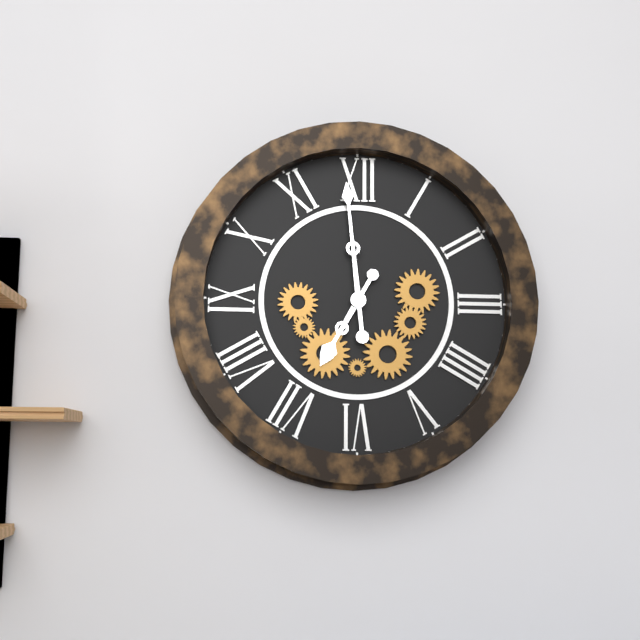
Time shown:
**6:59**
